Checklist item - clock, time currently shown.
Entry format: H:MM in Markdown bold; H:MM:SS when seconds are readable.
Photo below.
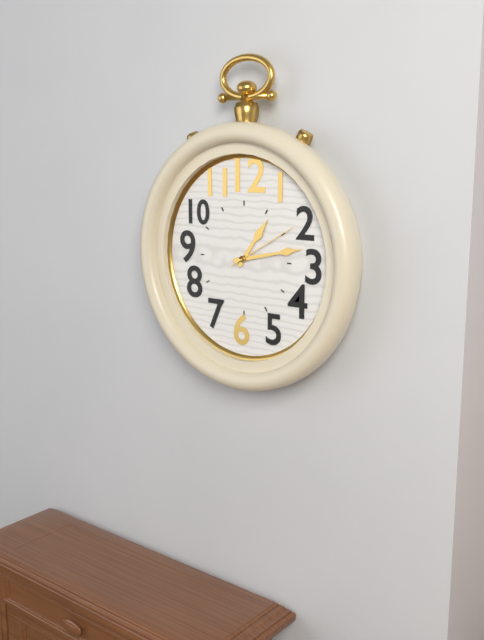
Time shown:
**1:13:10**
